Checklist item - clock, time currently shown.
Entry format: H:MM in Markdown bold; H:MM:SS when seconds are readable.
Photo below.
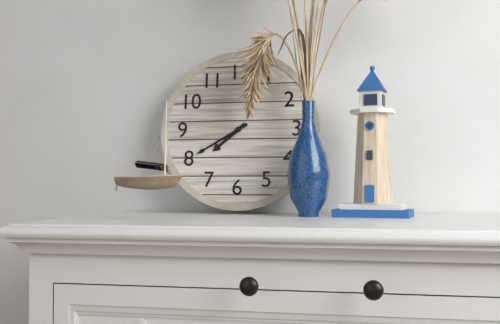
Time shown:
**7:40**
